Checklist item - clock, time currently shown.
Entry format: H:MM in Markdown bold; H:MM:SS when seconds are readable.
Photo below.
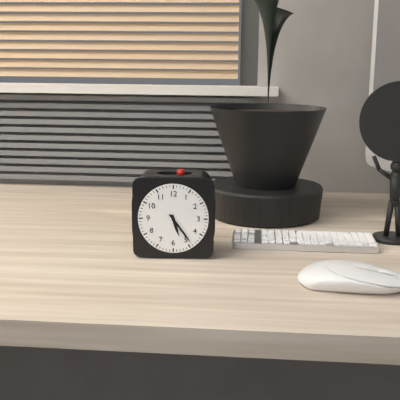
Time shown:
**5:24**
